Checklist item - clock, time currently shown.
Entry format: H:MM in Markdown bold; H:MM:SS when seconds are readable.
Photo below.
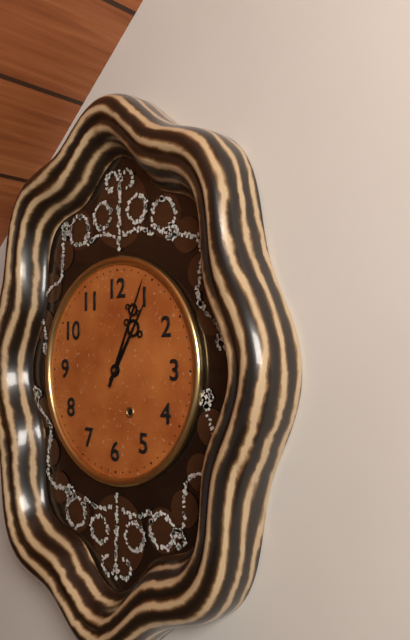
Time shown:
**1:04**
